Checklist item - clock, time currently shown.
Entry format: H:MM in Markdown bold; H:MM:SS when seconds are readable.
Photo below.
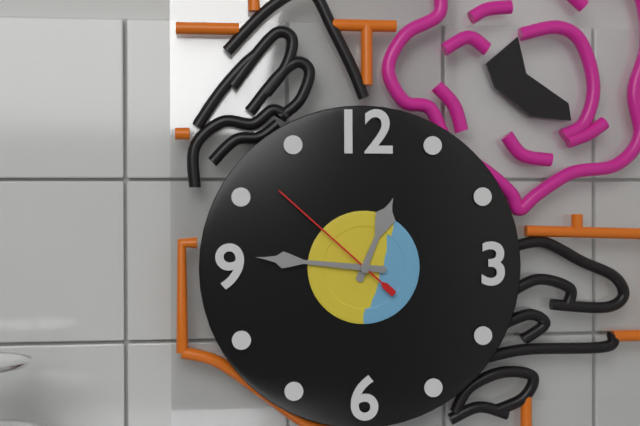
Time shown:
**12:46:52**
